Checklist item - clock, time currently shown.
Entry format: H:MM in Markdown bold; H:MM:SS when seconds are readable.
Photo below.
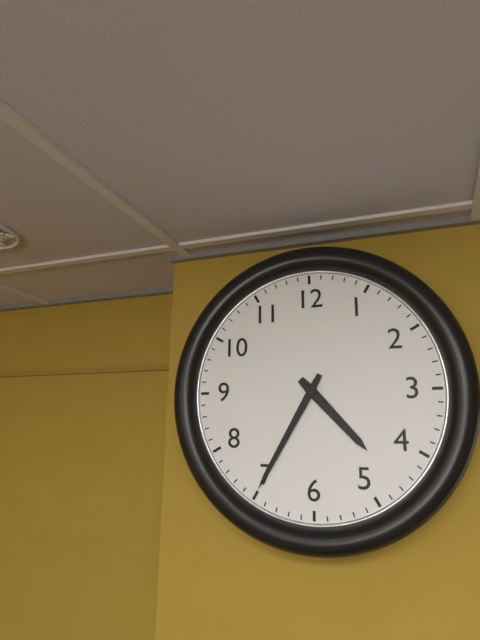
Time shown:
**4:35**
